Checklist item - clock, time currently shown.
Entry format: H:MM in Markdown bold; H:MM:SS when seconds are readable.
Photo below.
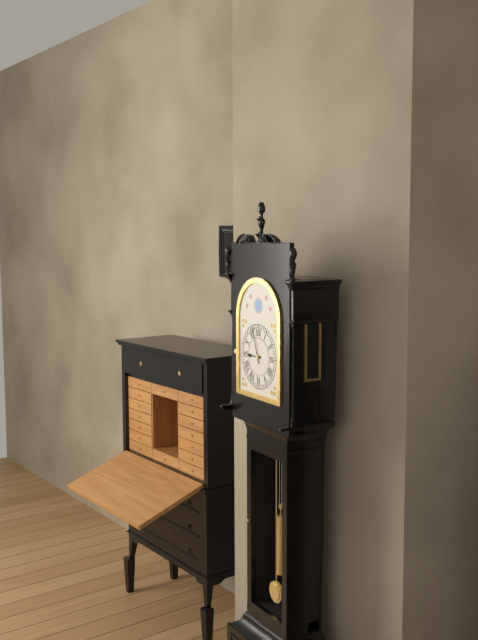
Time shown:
**8:57**
